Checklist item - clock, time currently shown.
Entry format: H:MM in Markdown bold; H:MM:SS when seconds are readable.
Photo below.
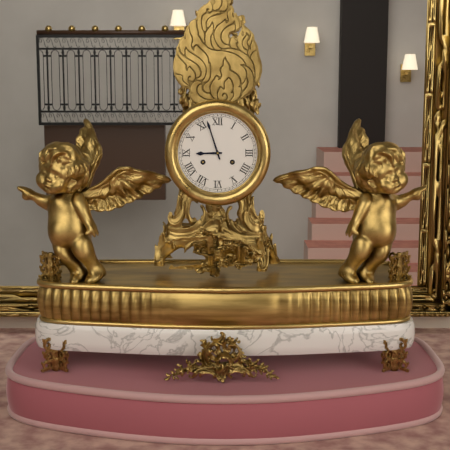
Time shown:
**8:57**
